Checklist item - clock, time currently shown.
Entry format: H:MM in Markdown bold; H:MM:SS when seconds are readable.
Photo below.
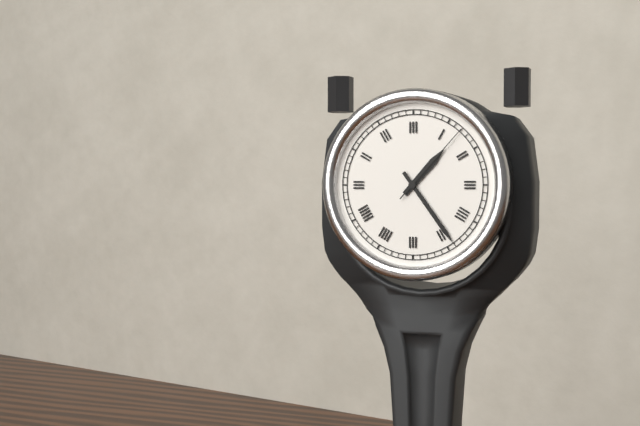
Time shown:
**1:24:07**
